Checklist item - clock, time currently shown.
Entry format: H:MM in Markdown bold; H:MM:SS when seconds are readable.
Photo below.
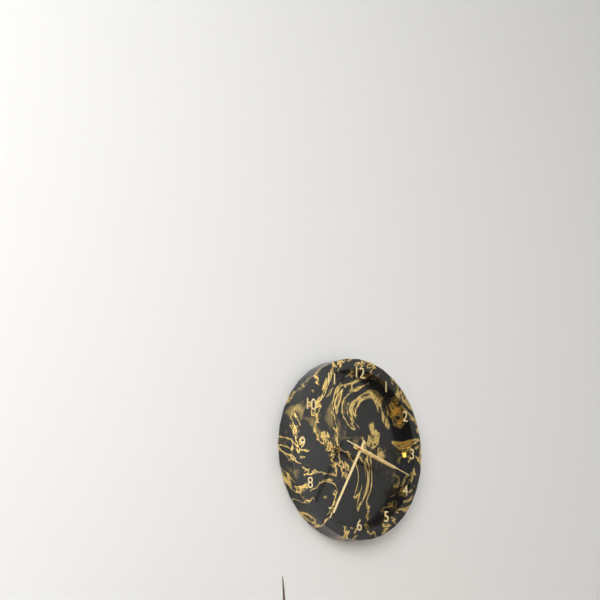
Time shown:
**3:35:18**
